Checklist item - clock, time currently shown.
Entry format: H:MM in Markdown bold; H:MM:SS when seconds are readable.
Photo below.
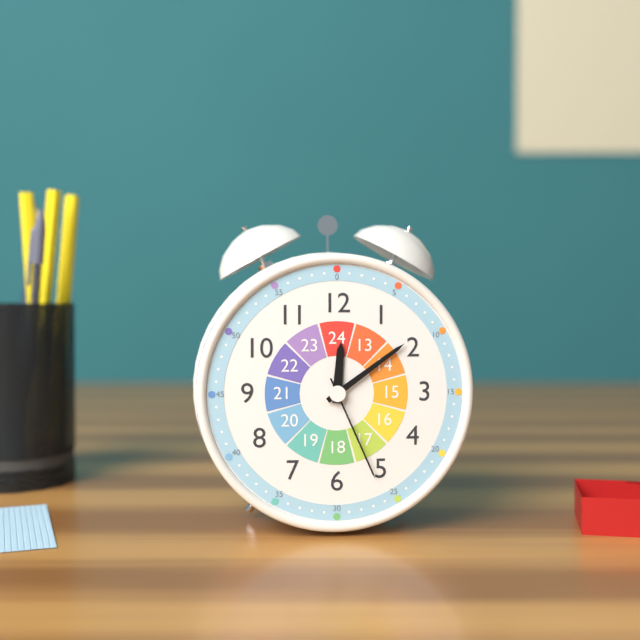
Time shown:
**12:09:26**
